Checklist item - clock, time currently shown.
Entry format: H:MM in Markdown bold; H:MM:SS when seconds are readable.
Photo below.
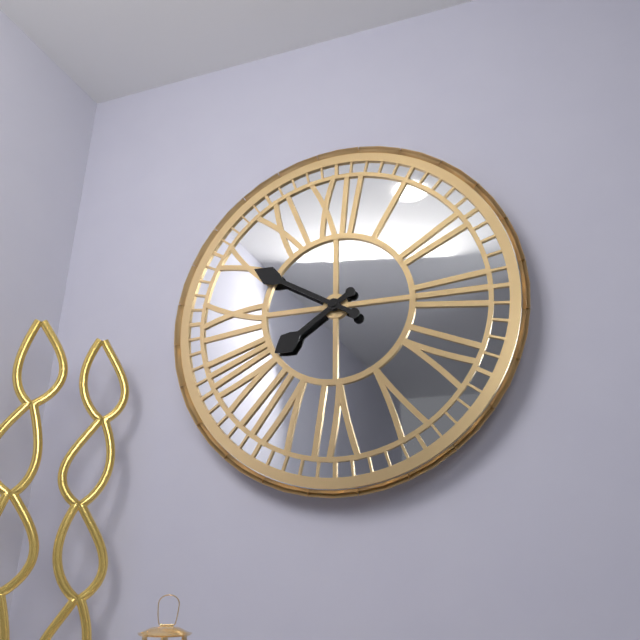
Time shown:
**7:50**
